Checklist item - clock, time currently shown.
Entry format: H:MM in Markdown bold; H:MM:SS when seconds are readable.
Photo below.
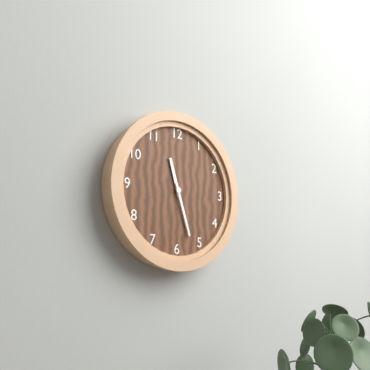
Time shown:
**11:27**
